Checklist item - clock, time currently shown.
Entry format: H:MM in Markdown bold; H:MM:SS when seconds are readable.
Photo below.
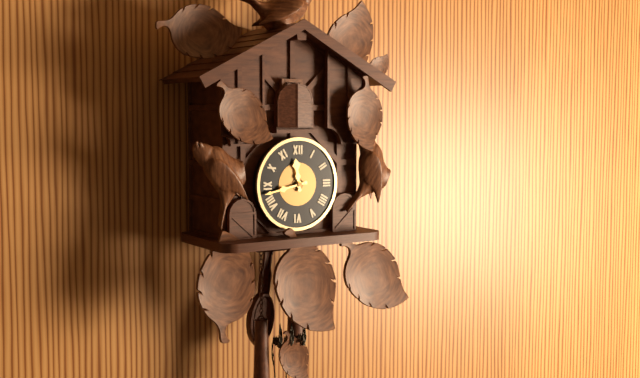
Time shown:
**11:43**
